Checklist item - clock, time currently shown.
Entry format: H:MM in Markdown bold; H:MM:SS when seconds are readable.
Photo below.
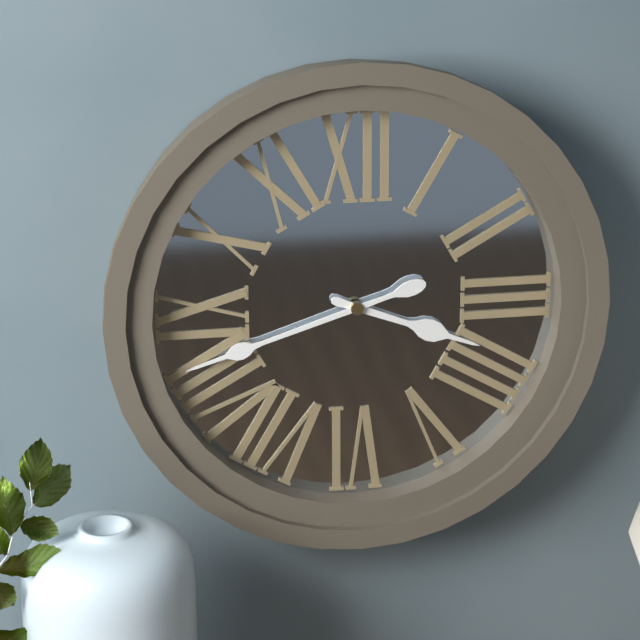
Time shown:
**3:42**
